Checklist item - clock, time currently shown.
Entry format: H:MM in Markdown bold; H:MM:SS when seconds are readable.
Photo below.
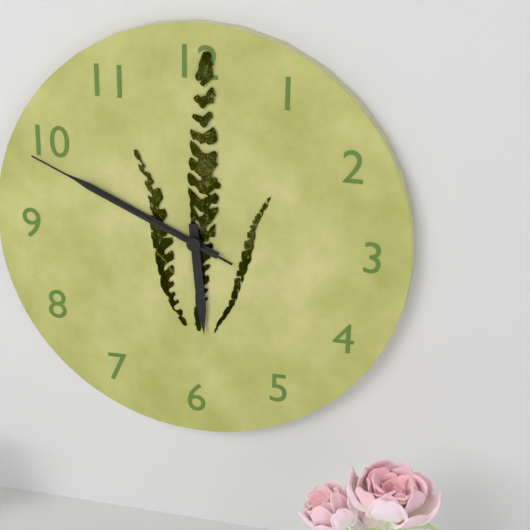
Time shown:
**5:49:49**
